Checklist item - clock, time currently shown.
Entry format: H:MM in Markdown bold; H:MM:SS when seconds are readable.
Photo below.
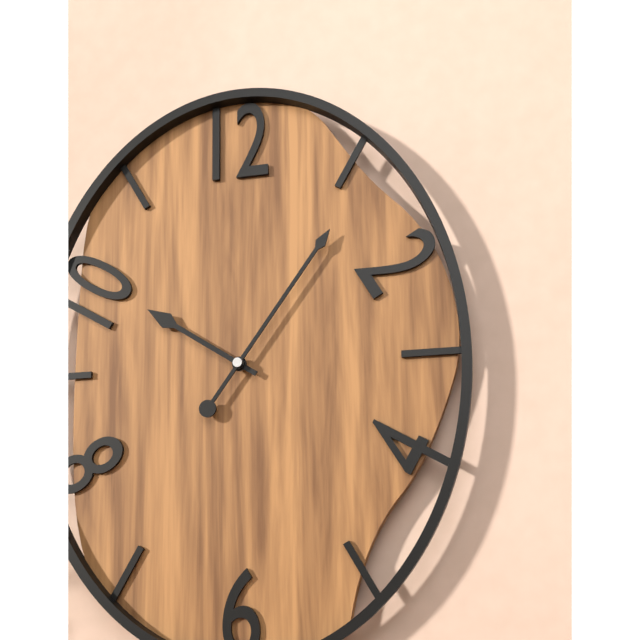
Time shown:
**10:06**
